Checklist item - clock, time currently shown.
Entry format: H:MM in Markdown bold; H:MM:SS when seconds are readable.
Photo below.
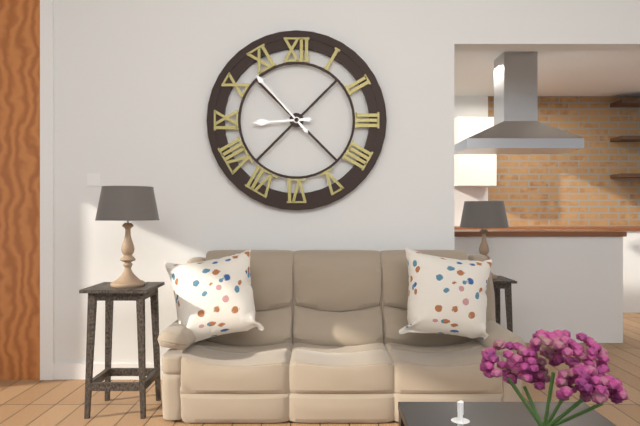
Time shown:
**8:53**
